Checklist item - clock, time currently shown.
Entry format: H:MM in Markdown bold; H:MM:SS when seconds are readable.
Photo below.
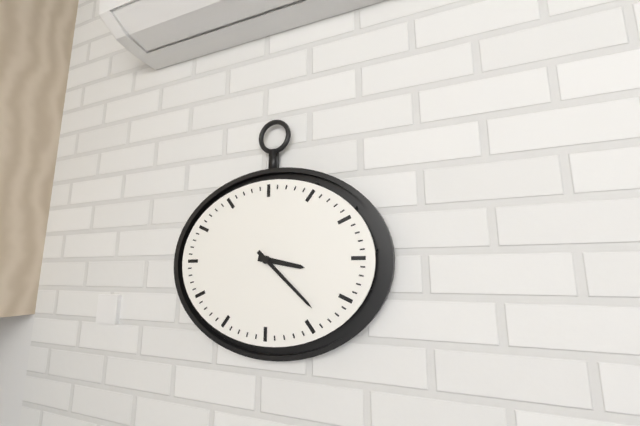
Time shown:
**3:22**
